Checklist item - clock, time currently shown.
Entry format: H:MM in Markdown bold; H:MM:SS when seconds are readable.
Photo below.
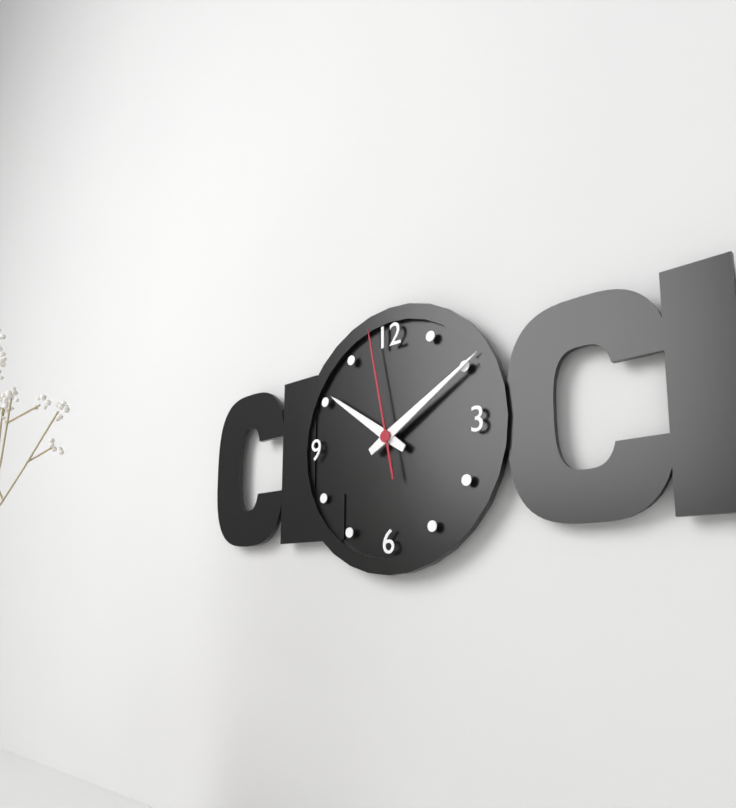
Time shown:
**10:10:58**
